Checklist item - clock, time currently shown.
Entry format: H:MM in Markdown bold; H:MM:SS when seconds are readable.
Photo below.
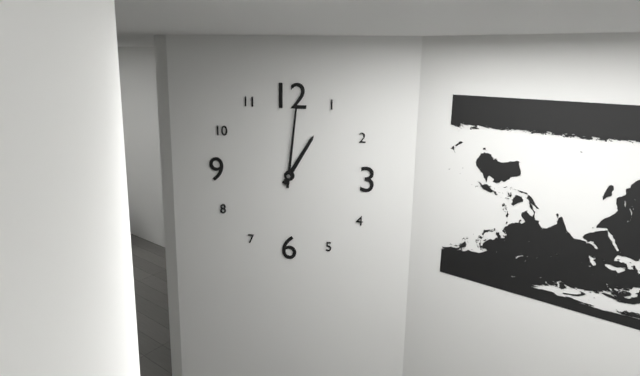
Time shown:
**1:01**
